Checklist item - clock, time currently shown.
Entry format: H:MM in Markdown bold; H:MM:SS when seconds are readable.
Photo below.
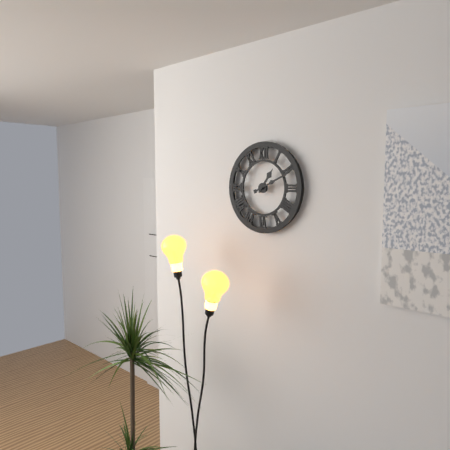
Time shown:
**1:11**
